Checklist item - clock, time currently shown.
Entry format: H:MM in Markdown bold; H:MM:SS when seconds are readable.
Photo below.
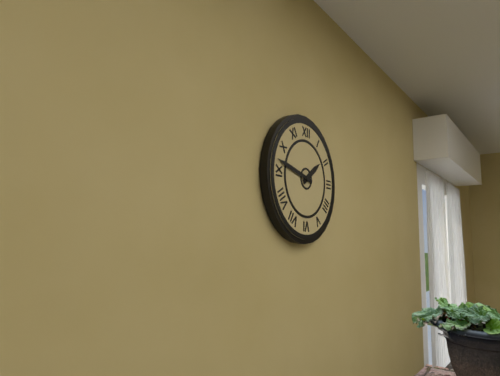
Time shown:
**1:47**
